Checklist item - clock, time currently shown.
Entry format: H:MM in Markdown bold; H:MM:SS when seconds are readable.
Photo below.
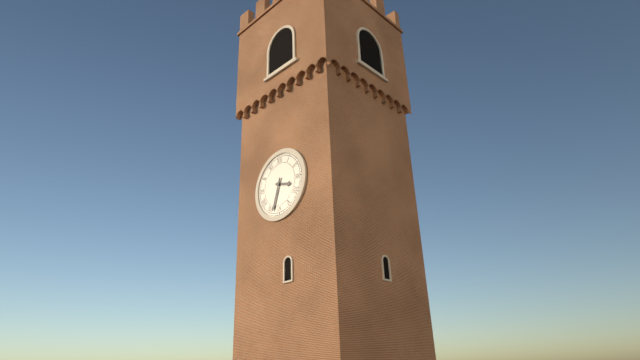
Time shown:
**3:33**
